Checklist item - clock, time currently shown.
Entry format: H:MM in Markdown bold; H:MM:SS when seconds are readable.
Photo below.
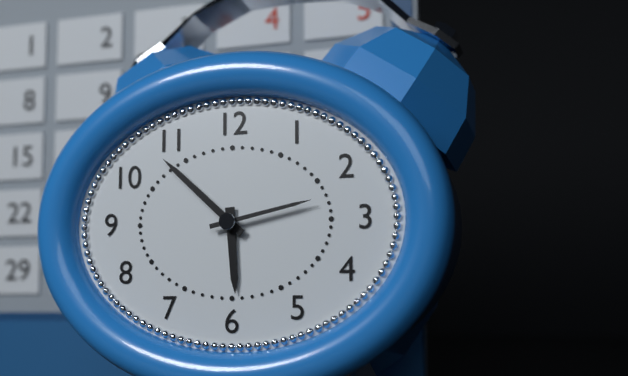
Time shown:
**5:52:13**
